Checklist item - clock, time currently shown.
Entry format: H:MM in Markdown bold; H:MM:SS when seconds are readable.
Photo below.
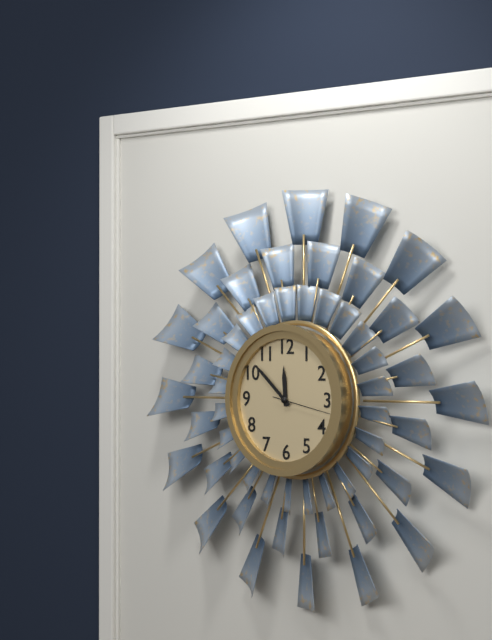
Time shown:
**11:52:17**
